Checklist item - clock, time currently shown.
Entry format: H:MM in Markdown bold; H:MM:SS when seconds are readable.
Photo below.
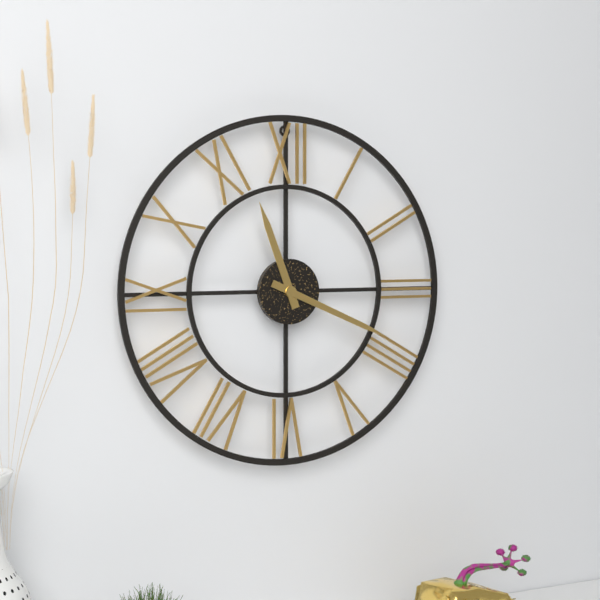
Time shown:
**11:19**
